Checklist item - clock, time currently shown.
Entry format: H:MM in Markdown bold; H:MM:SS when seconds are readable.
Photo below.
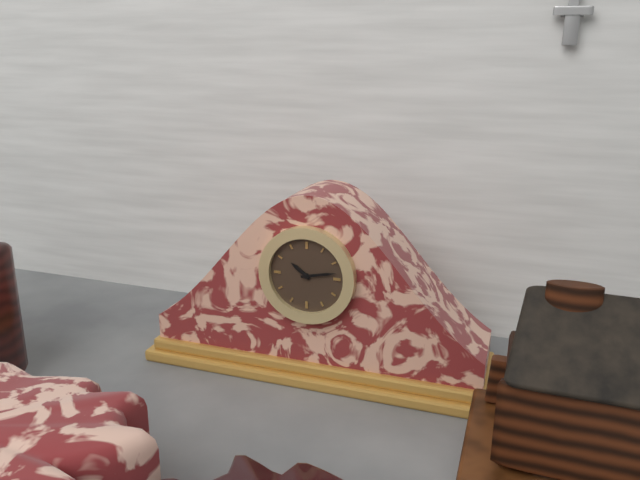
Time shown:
**10:13**
